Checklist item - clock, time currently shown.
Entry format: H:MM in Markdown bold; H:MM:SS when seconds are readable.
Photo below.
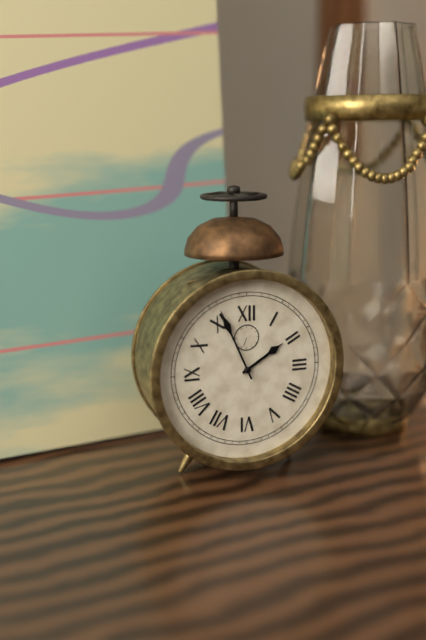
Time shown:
**1:56**
